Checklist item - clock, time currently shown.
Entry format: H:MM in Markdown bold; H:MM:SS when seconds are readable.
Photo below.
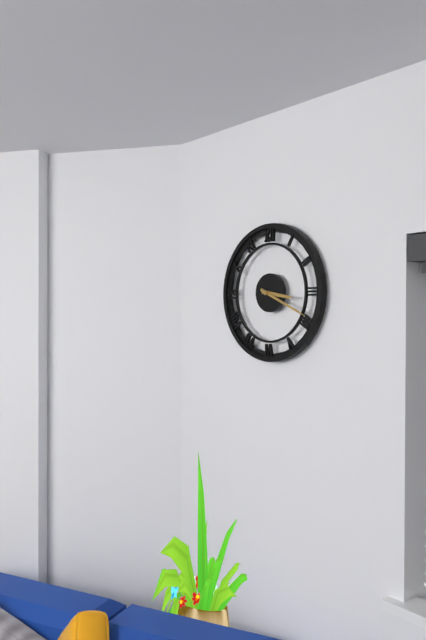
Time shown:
**3:19**
